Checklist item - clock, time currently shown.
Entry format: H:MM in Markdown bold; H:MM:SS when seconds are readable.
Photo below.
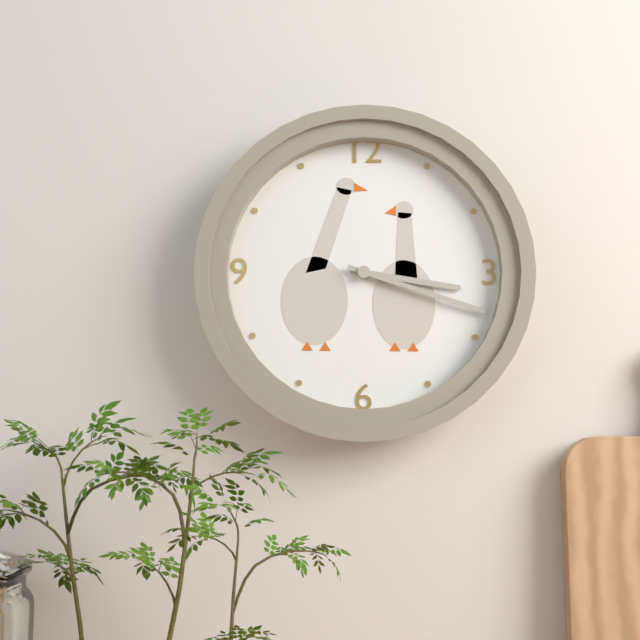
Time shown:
**3:18**
